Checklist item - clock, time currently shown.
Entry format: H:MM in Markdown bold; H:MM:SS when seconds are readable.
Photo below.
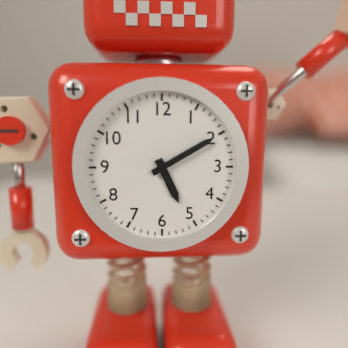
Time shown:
**5:10**
